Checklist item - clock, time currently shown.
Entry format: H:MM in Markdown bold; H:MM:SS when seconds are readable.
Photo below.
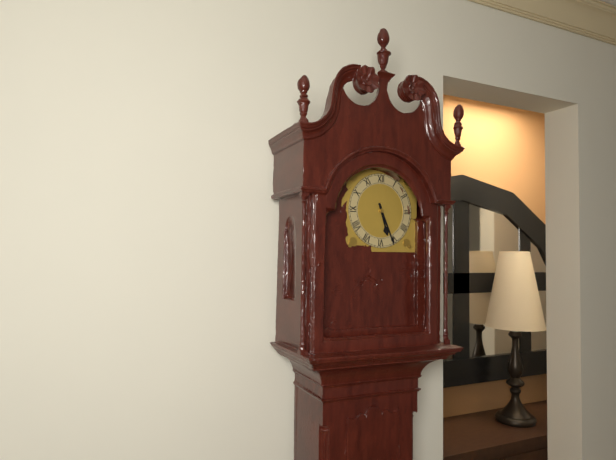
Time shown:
**5:26**
